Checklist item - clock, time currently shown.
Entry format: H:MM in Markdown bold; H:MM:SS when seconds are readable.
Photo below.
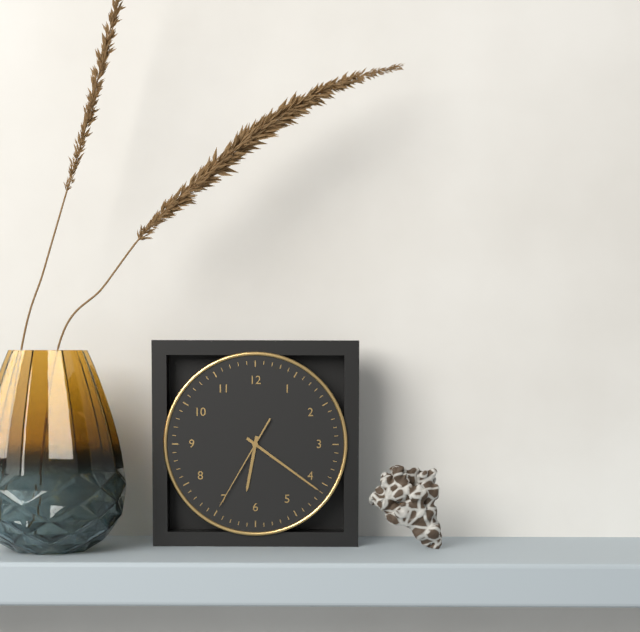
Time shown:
**6:21:35**
